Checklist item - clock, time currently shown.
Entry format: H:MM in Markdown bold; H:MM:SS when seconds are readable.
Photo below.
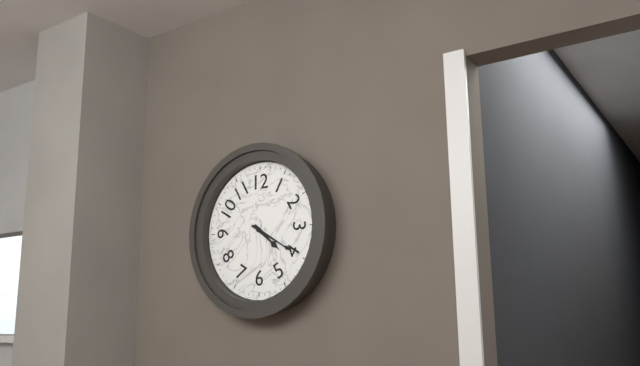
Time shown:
**4:20**
